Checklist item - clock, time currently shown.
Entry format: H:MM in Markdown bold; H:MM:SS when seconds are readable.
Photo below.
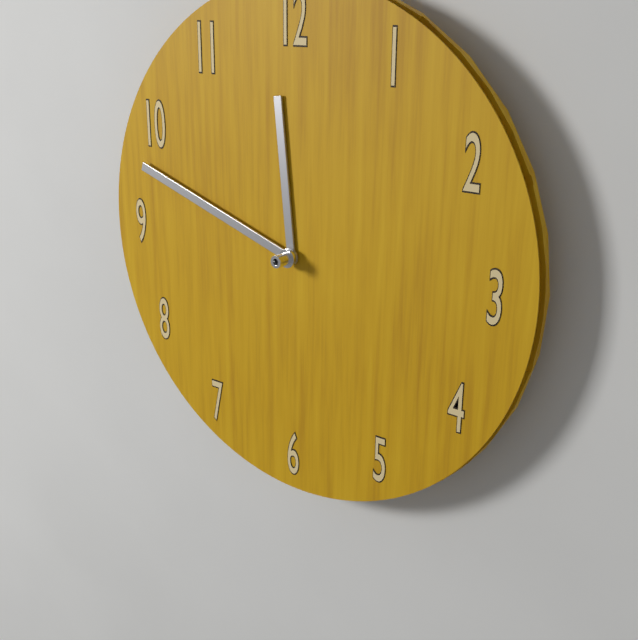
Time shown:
**11:48**
